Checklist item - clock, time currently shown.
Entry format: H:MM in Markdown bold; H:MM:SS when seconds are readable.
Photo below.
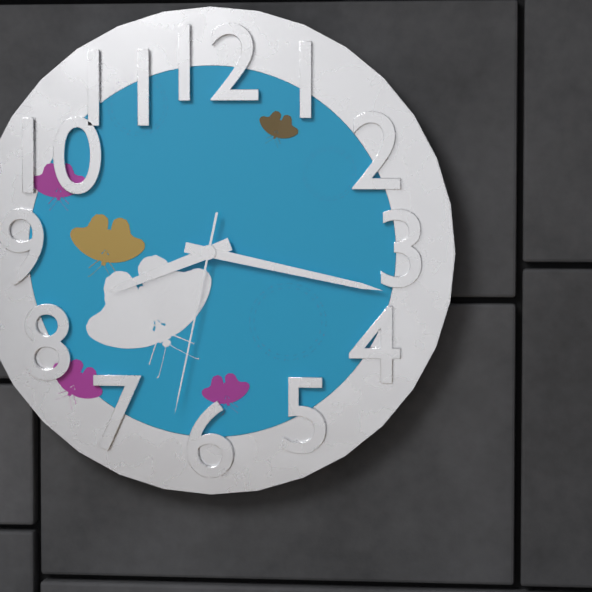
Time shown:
**8:17:32**
